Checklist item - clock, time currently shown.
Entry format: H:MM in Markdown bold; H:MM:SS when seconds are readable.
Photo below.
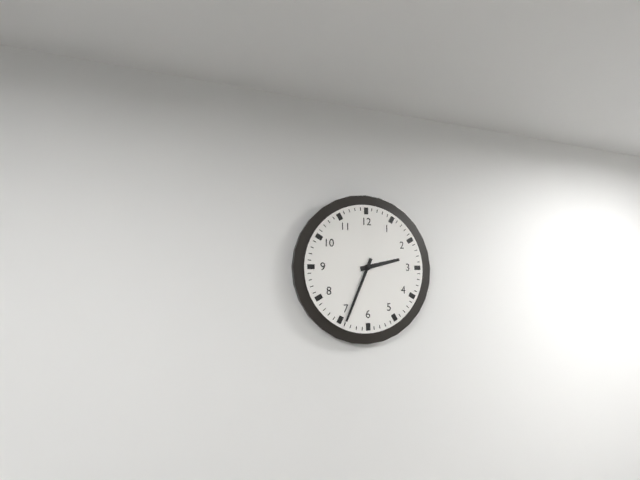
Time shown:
**2:34**
